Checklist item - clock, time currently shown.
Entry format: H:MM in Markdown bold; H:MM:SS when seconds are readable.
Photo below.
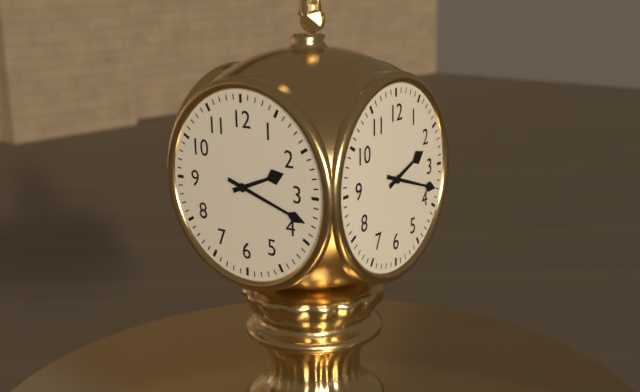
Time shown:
**2:18**
